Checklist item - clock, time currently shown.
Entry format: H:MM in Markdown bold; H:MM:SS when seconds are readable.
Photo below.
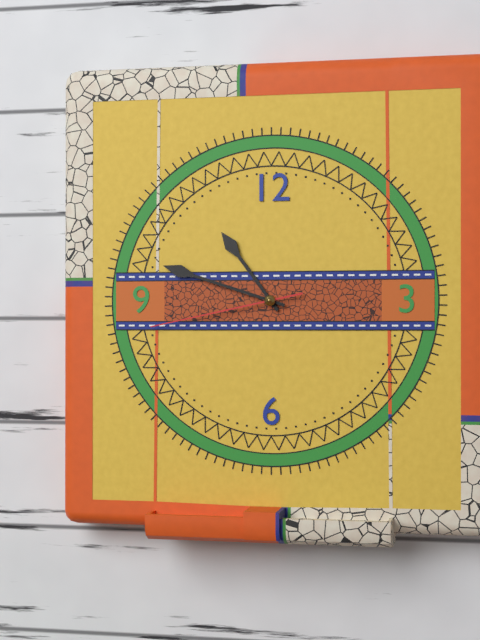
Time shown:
**10:48:43**
